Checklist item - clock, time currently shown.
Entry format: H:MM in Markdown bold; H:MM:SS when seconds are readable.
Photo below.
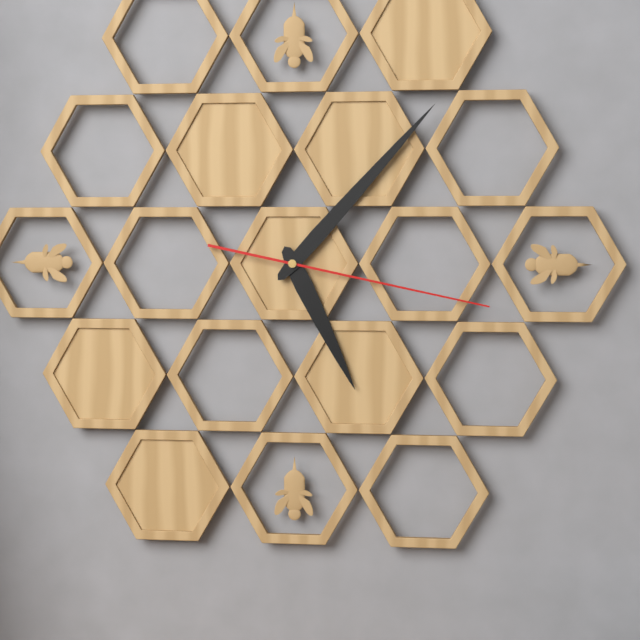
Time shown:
**5:07:17**
